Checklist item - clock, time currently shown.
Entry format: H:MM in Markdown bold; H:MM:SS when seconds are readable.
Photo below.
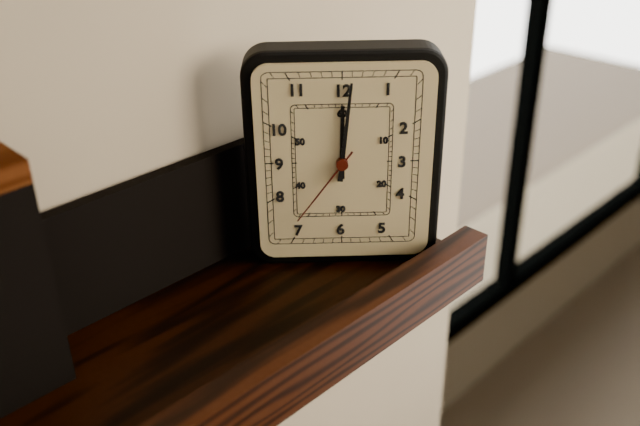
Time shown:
**12:01:36**
